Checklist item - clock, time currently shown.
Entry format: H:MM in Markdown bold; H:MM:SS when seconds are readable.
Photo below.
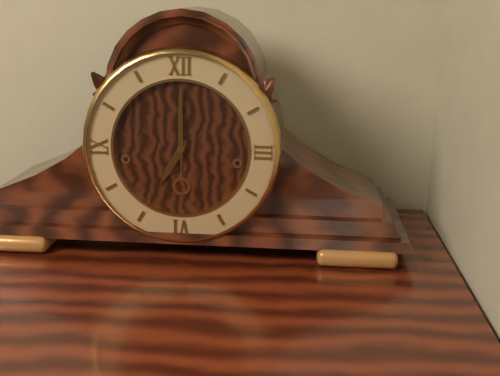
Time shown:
**7:00**
